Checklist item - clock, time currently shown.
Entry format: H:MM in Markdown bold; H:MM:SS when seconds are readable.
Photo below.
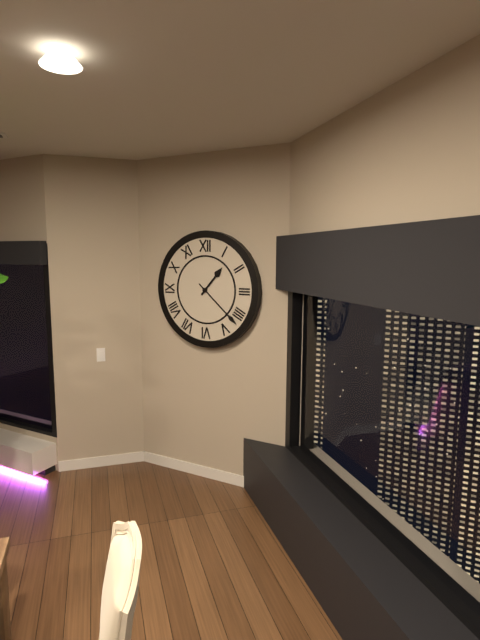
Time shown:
**1:22**
